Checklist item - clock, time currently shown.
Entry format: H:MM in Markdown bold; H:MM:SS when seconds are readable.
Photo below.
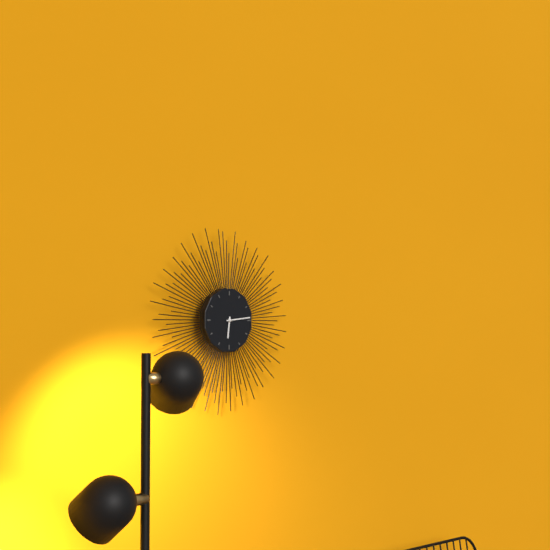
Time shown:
**6:14**
